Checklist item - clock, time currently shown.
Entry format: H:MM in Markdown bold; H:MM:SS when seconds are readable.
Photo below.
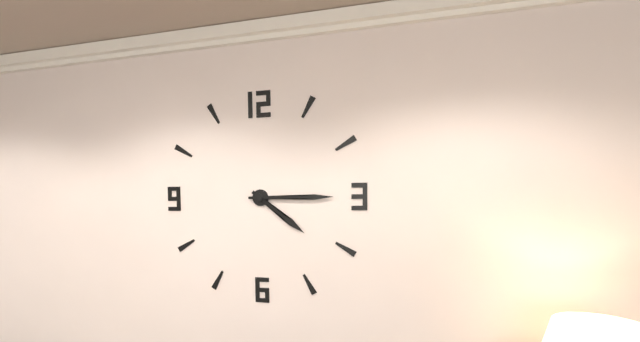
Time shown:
**4:15**
